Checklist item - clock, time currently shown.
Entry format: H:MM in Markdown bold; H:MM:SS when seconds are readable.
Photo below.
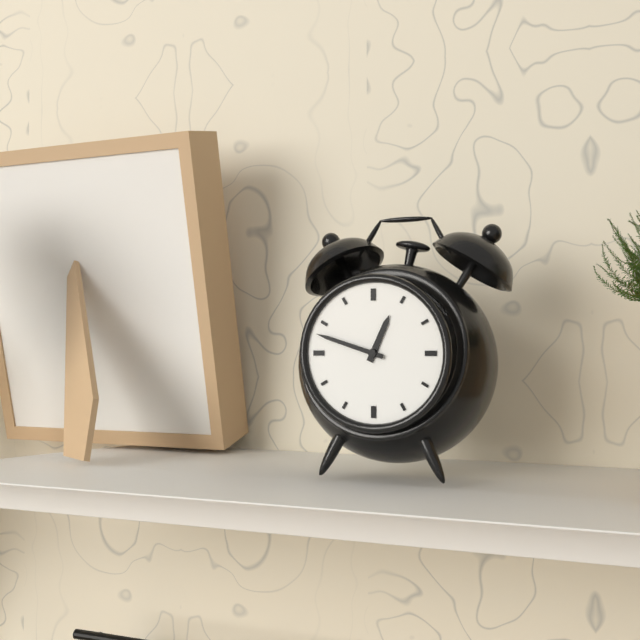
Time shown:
**12:48**
